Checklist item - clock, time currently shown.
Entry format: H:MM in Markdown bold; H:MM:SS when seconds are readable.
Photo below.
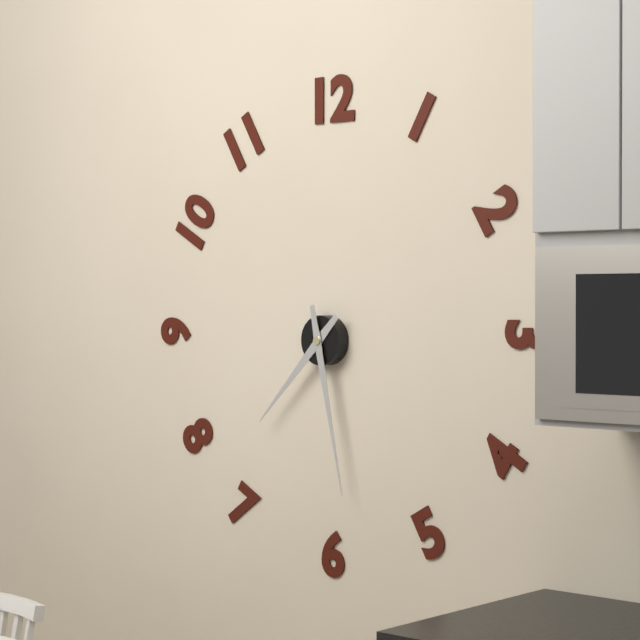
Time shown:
**7:28**
